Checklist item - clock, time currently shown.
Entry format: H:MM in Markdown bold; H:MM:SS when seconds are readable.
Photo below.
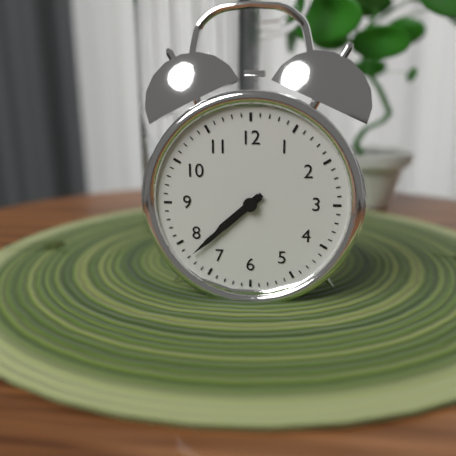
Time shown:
**7:38**
